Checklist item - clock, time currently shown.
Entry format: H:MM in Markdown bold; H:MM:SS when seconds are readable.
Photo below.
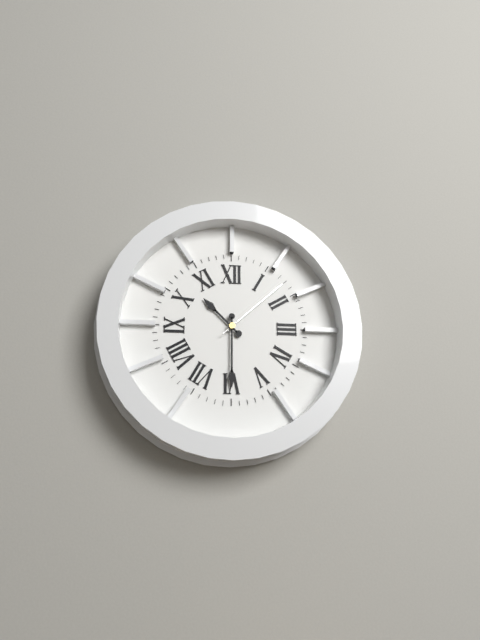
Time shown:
**10:30:08**
